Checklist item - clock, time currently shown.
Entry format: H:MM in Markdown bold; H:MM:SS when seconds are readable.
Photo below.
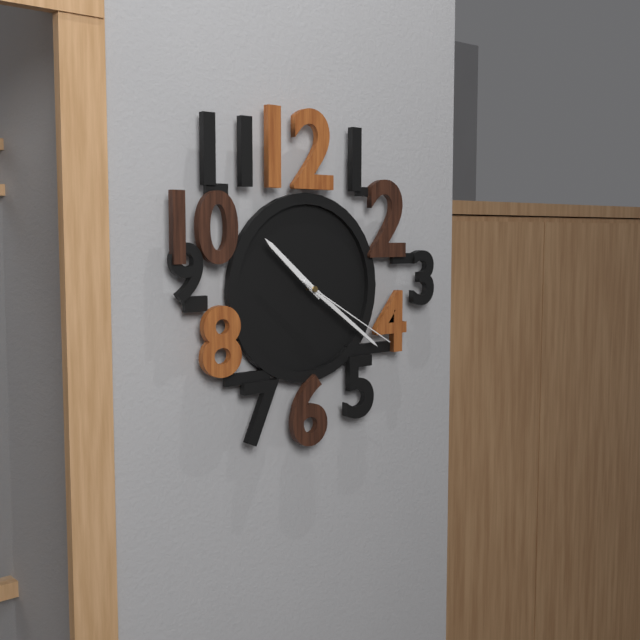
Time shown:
**10:21:20**
